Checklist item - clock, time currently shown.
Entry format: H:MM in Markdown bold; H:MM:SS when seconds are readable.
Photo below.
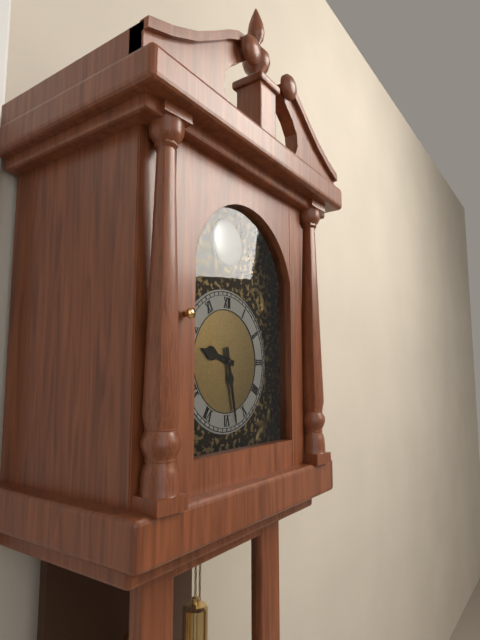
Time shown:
**9:28**
